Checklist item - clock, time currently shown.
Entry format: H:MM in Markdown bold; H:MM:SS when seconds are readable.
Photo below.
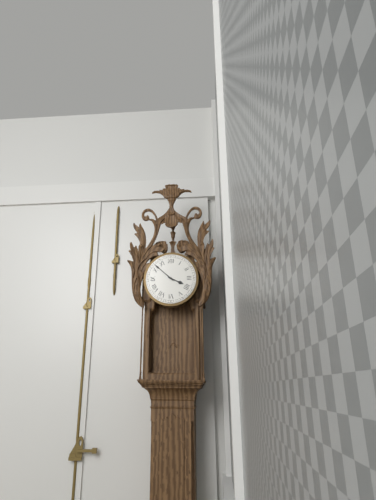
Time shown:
**3:52**
